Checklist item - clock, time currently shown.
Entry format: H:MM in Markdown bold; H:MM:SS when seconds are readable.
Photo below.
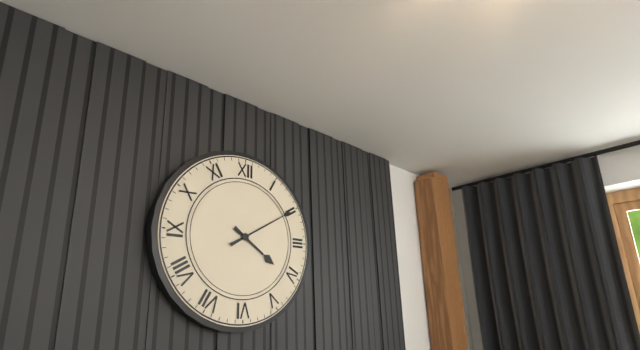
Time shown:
**4:10**
